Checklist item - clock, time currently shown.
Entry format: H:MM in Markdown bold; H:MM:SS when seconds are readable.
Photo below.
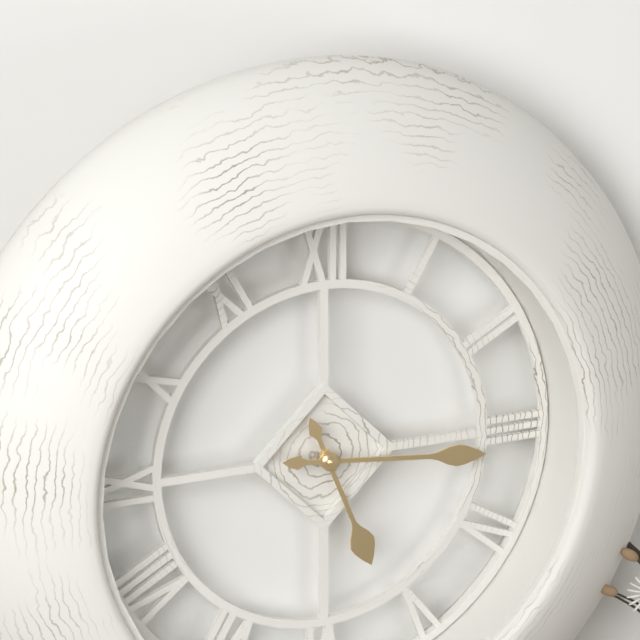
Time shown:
**5:16**
